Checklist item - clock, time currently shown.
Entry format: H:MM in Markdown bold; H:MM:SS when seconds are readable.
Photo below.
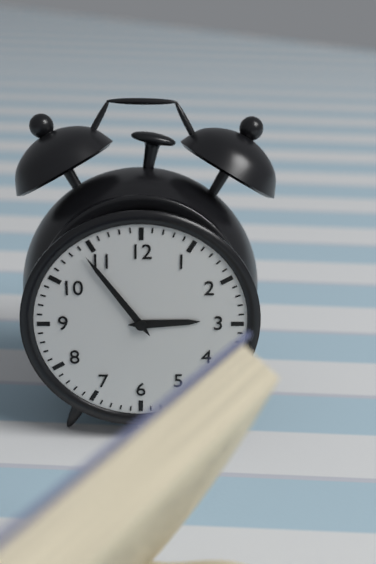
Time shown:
**2:54**
